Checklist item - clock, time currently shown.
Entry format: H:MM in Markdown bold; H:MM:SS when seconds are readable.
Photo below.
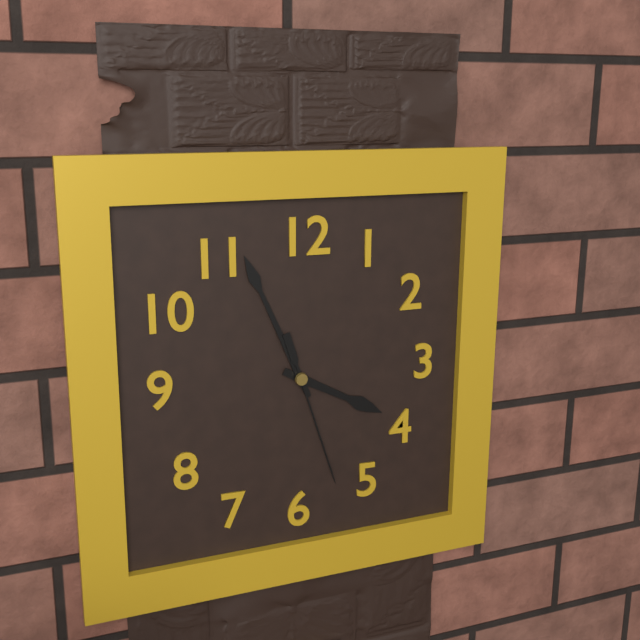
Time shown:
**3:56:27**
